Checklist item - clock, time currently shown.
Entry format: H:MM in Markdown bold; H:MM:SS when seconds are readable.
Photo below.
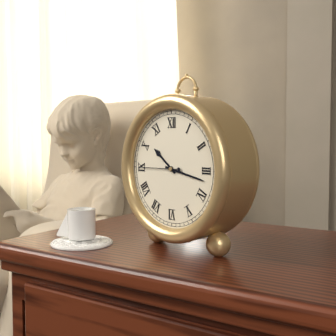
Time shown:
**10:17:45**
